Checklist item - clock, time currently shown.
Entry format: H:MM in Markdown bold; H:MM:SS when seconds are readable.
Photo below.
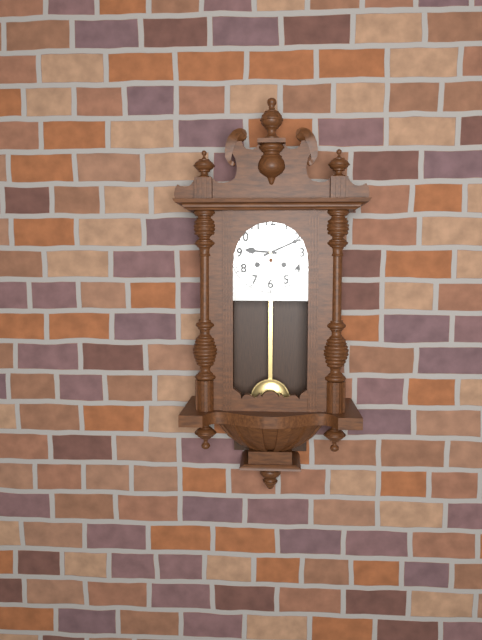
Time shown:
**9:11**
